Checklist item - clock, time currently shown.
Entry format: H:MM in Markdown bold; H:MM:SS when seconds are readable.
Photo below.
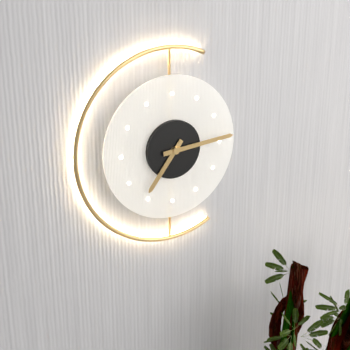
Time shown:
**7:14**
